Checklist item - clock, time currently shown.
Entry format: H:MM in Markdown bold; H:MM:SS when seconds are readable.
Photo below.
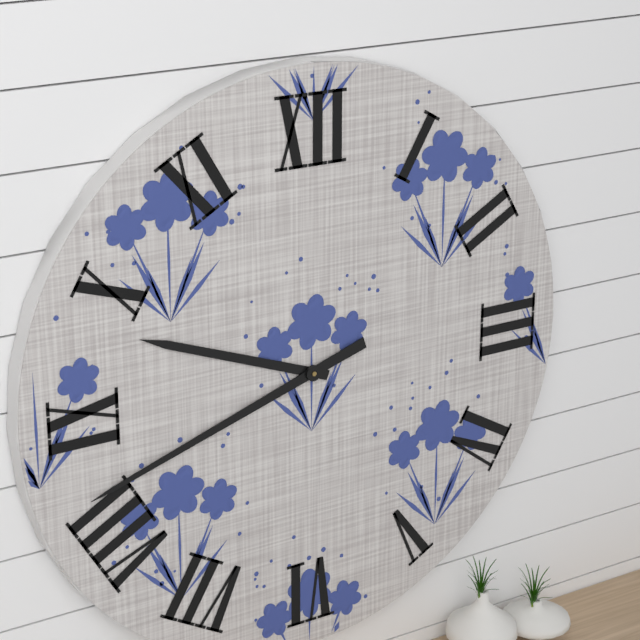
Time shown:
**9:42**
